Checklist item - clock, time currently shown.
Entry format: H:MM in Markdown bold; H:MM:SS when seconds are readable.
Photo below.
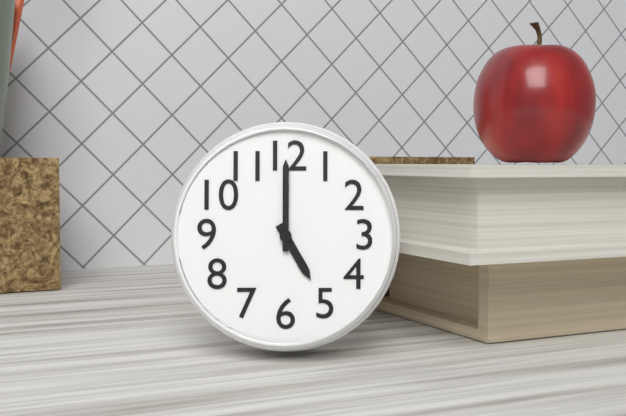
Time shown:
**5:00**
